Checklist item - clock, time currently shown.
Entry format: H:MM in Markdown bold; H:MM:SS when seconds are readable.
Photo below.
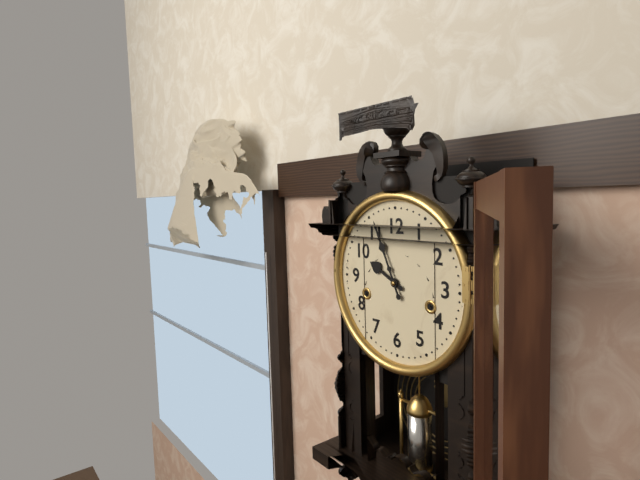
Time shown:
**9:56**
